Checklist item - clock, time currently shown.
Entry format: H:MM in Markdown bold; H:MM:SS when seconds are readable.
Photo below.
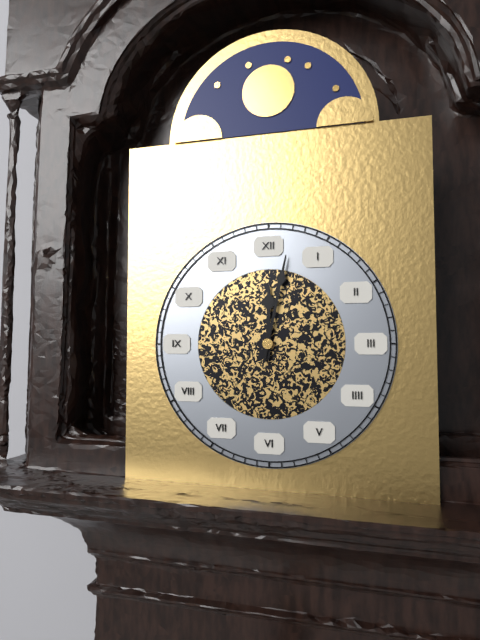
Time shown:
**12:02**
